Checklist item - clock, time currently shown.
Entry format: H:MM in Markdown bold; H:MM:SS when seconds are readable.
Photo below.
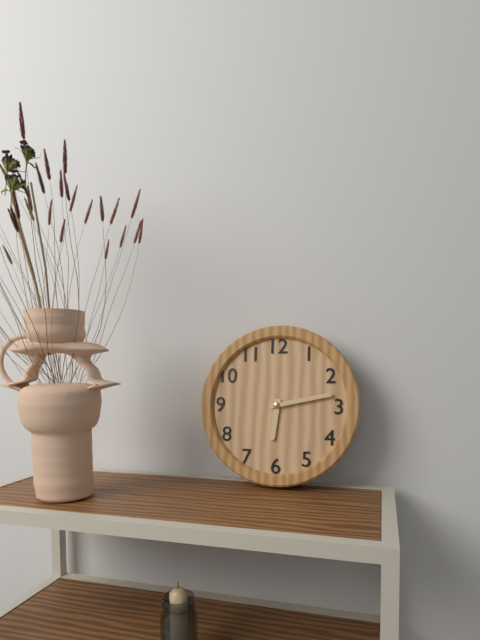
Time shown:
**6:13**
